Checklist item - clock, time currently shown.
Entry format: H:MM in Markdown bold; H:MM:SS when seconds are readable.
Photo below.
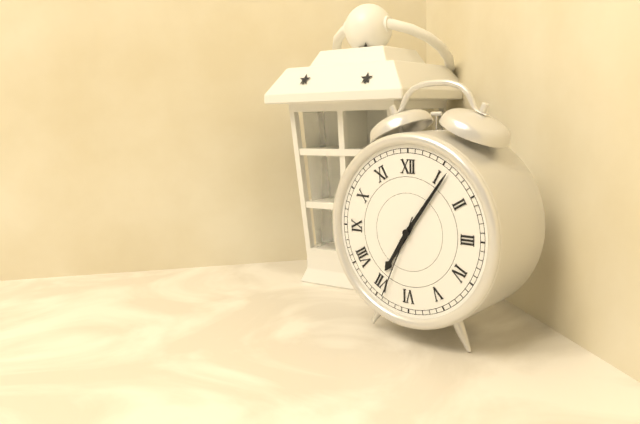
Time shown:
**7:06:34**
